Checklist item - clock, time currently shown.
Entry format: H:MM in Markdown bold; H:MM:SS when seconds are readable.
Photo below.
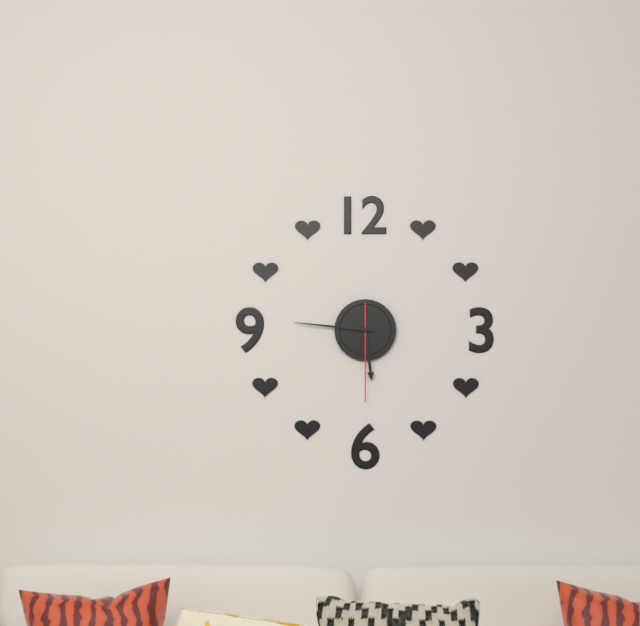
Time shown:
**5:46:30**
